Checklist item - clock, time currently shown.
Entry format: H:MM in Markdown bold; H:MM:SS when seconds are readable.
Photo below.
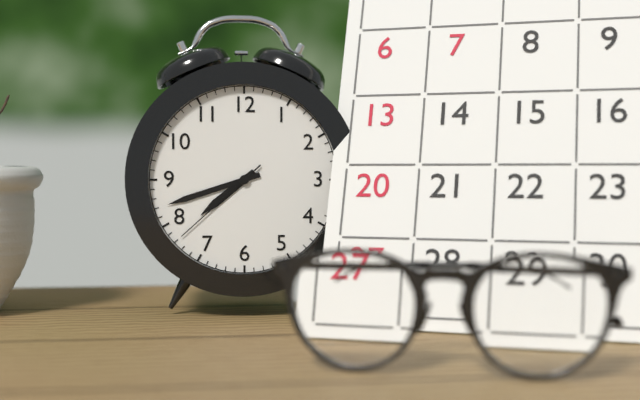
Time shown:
**7:42:38**
